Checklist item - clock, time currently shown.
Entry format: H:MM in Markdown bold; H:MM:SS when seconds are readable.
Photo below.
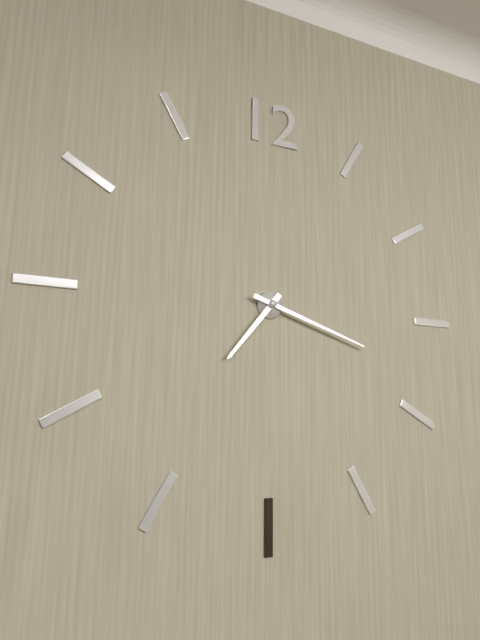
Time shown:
**7:18**
